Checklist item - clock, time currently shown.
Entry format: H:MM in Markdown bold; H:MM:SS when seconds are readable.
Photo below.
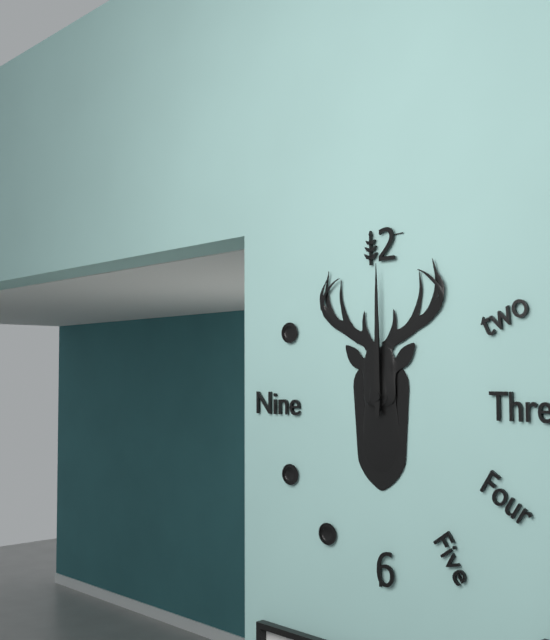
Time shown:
**12:00**
